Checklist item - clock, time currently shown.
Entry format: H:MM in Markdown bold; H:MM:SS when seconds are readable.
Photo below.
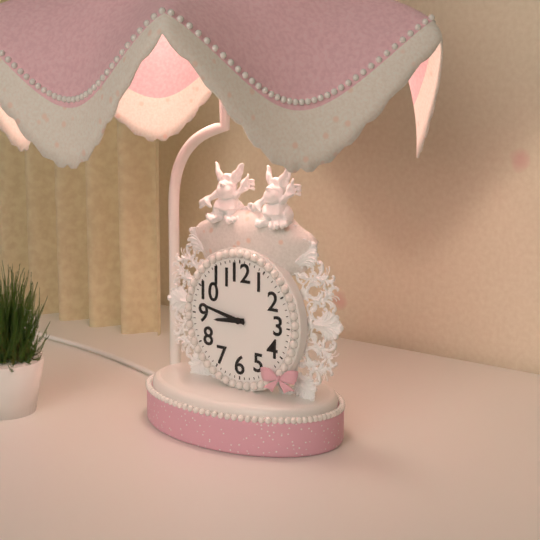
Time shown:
**8:47**
